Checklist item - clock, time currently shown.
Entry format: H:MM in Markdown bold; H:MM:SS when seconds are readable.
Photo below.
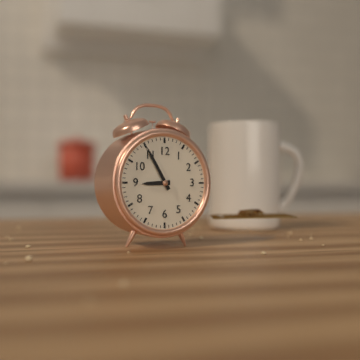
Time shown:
**8:55**
